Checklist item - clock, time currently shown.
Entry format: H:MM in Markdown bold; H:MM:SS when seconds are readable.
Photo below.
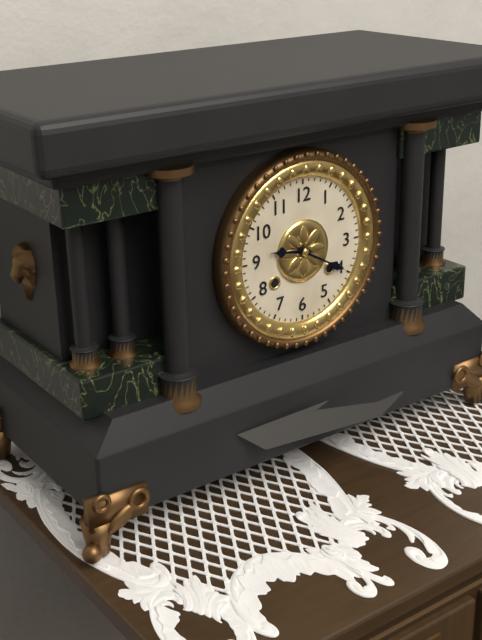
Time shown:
**9:20**
